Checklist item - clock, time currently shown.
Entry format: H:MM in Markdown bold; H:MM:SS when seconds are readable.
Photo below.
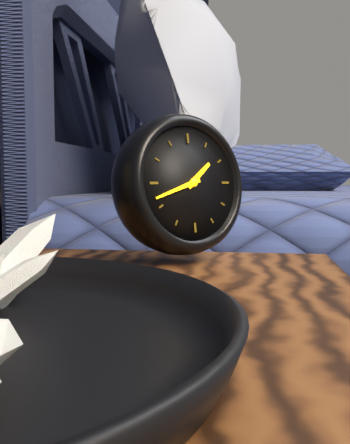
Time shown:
**1:42**
